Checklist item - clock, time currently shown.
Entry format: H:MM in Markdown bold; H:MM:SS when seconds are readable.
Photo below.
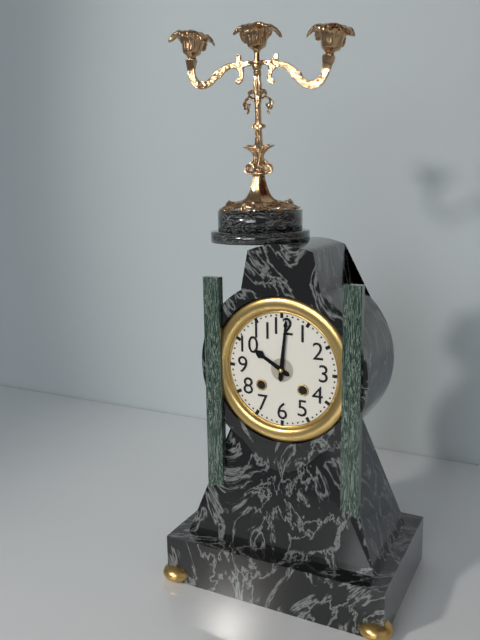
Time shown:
**10:01**
